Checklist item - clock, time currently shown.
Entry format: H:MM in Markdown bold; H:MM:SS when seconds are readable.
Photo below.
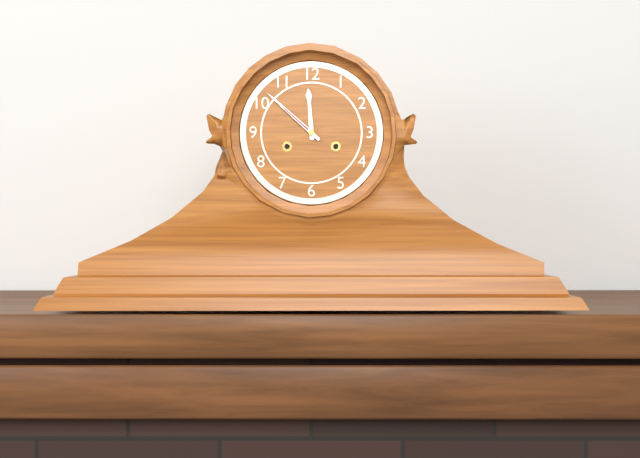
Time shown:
**11:52**
